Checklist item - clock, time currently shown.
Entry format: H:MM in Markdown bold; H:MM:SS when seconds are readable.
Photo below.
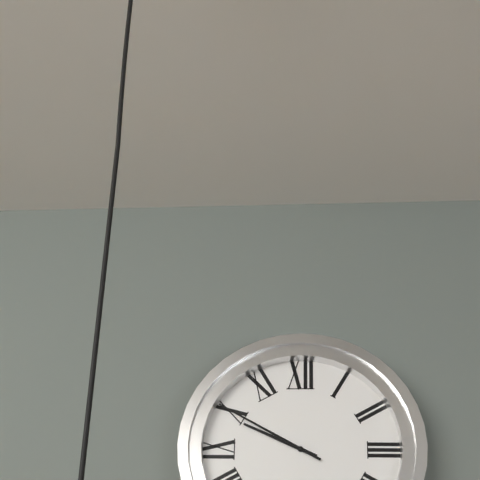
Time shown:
**9:50**
